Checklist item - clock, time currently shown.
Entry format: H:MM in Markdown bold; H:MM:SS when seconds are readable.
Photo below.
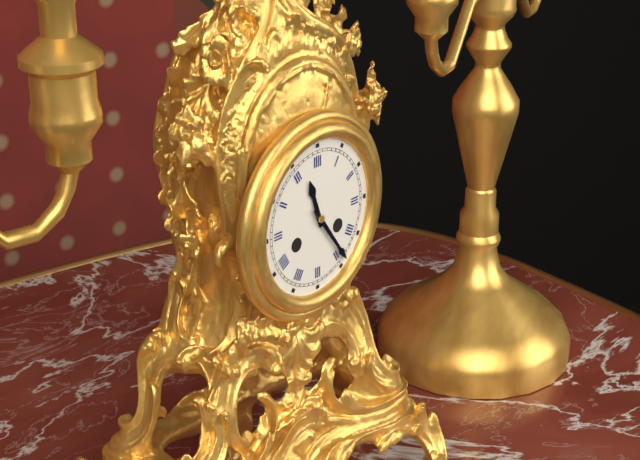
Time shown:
**11:24**
